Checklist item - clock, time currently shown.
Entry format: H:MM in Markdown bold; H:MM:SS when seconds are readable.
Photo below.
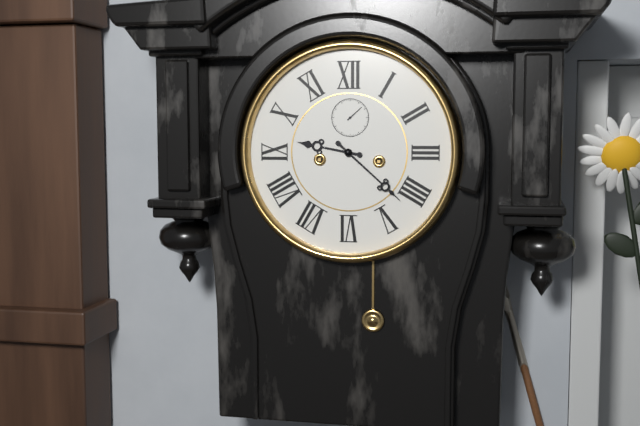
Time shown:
**9:22**
